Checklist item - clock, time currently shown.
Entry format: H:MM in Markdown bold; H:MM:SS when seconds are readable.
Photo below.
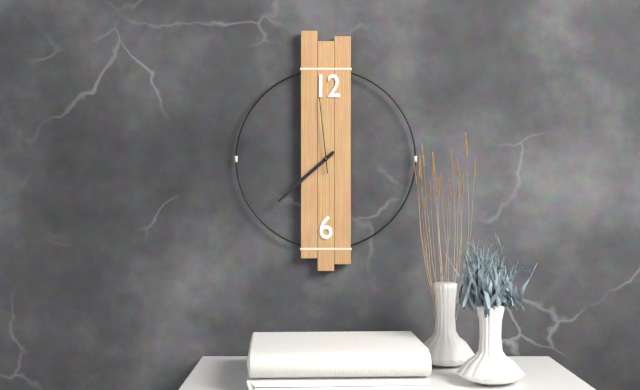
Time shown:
**7:38:59**
